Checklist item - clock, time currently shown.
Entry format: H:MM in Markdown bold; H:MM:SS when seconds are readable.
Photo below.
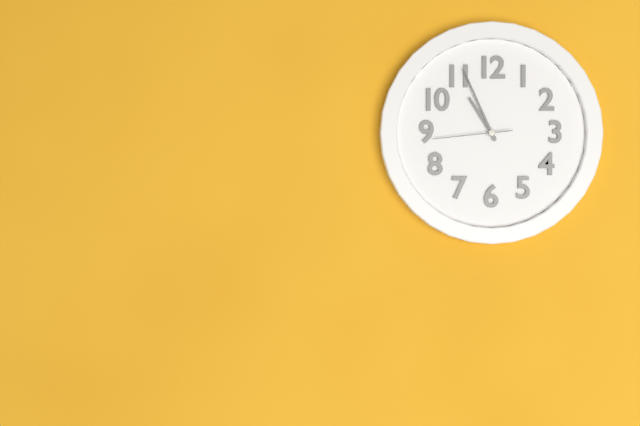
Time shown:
**10:56:44**
